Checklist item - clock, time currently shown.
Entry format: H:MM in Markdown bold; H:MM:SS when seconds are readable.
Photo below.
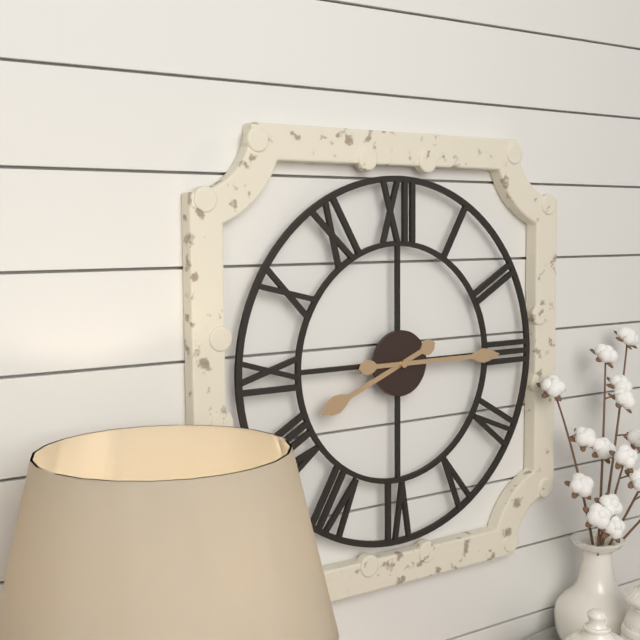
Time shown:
**8:15**
